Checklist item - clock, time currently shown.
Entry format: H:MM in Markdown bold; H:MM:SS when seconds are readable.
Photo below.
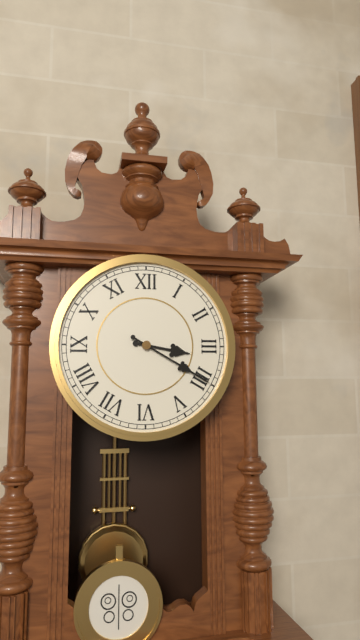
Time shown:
**3:20**
